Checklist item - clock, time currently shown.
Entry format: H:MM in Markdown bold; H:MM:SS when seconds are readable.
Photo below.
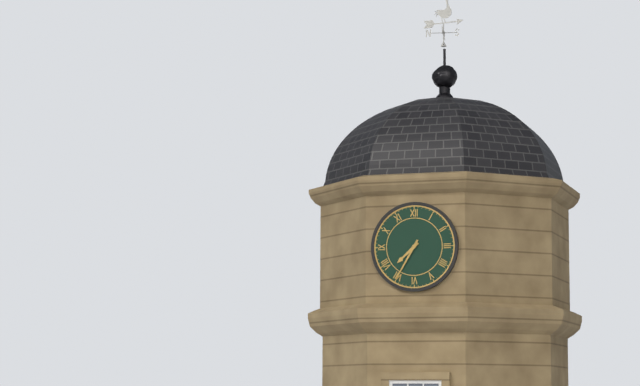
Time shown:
**7:35**
